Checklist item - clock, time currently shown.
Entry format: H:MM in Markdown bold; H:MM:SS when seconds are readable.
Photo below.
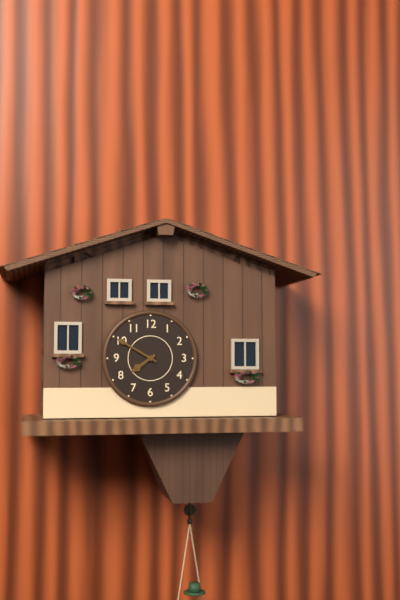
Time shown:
**7:50**
